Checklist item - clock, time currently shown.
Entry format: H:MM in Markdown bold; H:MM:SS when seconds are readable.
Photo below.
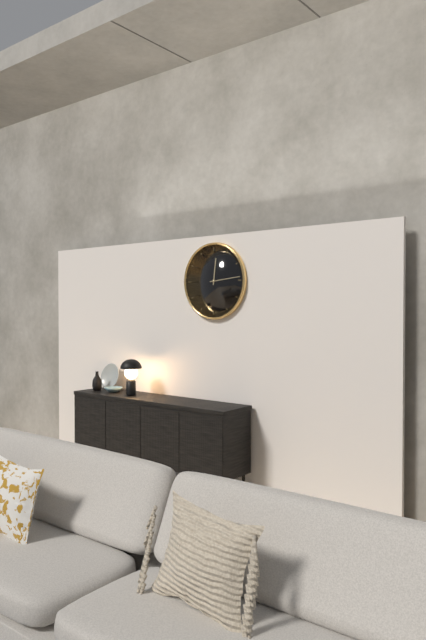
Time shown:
**12:14**
